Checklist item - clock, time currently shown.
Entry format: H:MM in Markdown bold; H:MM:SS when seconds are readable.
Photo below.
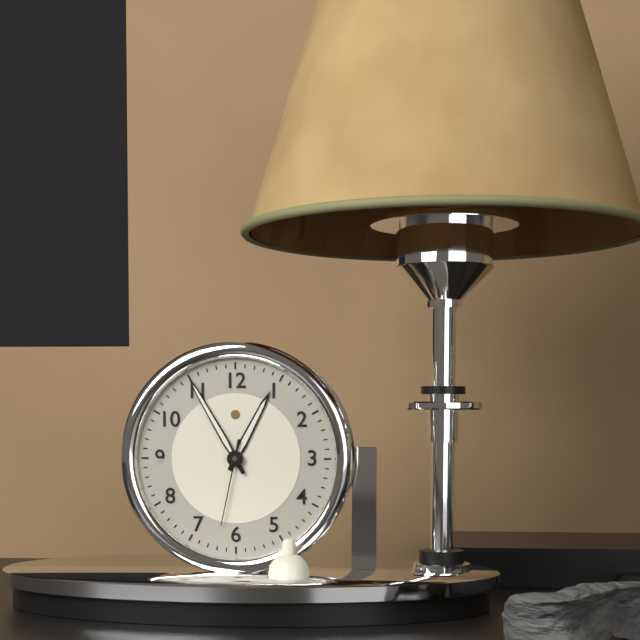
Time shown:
**12:55:32**
